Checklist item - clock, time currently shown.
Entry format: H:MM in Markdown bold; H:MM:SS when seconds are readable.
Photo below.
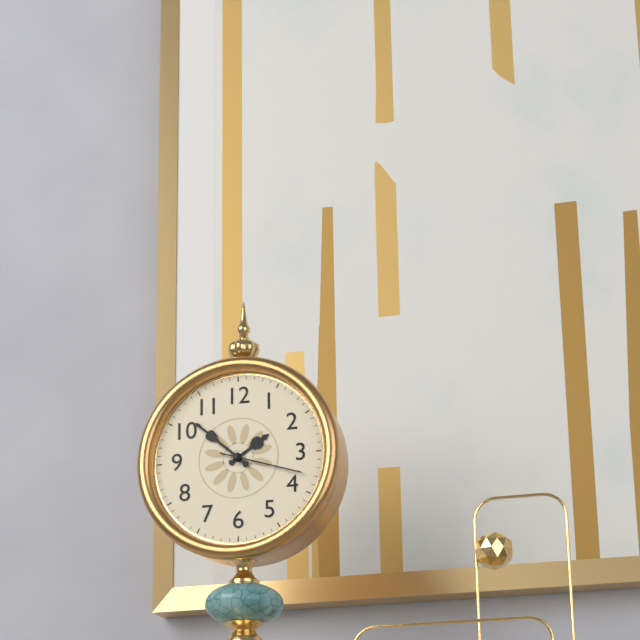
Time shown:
**1:52:18**
